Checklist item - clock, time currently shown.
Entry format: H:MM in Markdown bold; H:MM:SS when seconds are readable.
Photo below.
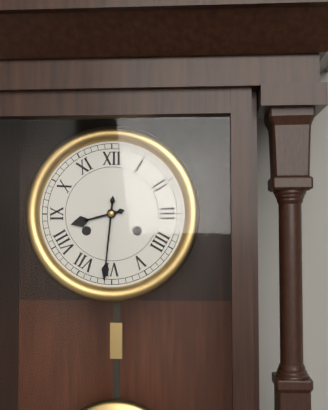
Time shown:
**8:31**
